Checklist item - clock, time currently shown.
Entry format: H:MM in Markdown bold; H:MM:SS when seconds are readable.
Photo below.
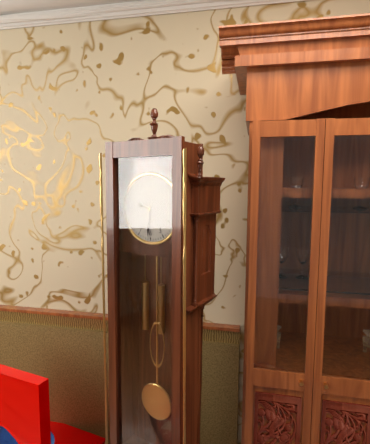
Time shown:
**9:31**
